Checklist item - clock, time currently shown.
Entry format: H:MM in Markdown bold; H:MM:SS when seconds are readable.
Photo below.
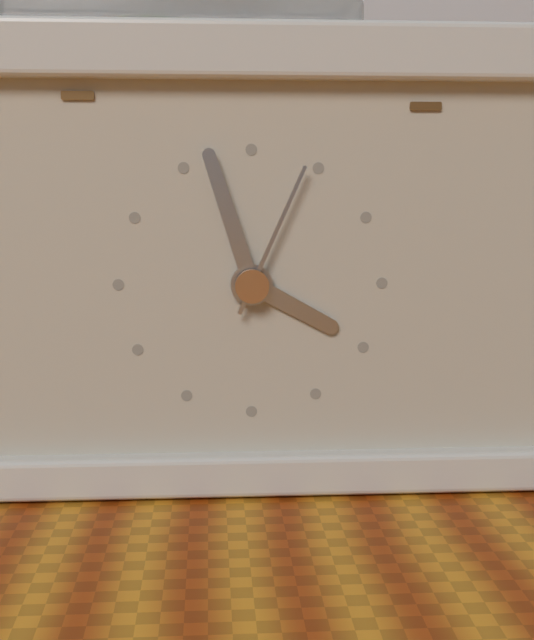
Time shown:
**3:57:04**
